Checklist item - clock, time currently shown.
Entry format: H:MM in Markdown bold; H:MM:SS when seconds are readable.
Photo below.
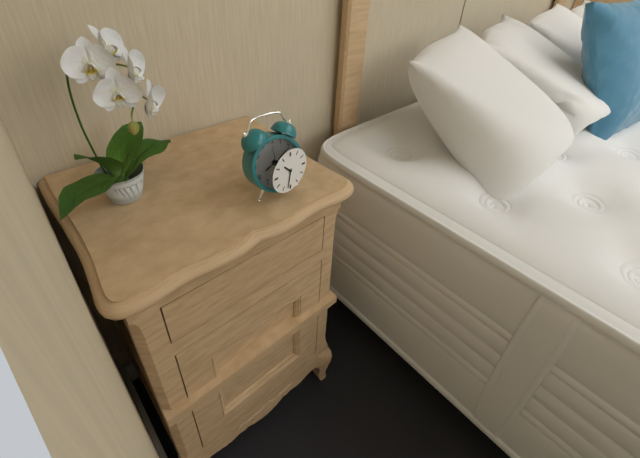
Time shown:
**10:32**
